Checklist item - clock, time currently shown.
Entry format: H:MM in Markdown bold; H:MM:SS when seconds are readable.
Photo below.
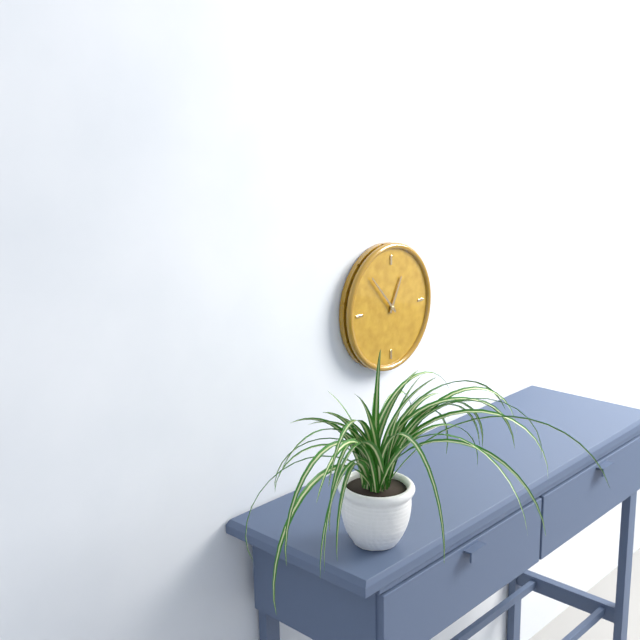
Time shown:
**12:53**
